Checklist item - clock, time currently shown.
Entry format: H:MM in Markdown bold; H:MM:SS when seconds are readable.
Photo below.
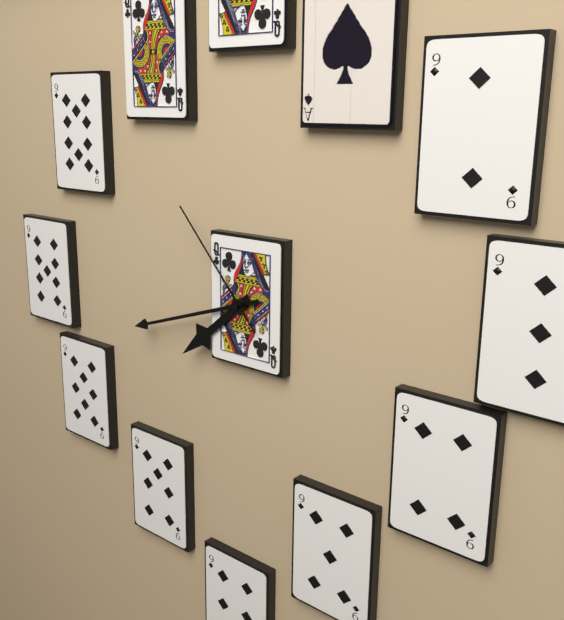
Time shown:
**7:42:53**
